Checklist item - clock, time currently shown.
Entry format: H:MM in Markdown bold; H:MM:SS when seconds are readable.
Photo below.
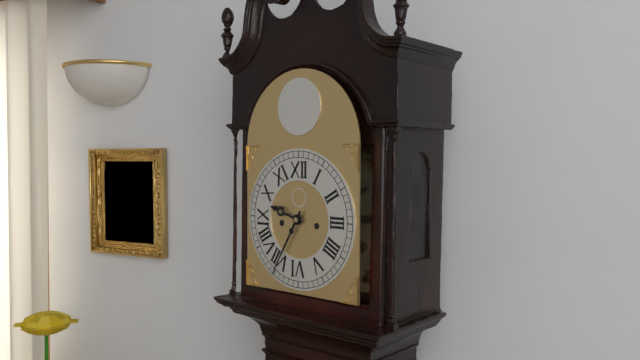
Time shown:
**9:35**
